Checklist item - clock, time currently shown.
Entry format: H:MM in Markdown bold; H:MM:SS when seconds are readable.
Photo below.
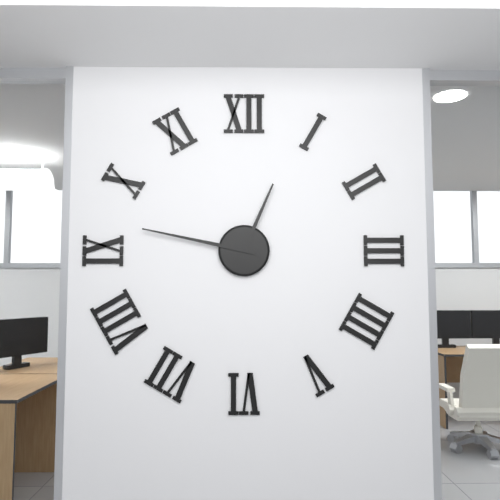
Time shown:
**12:47**
